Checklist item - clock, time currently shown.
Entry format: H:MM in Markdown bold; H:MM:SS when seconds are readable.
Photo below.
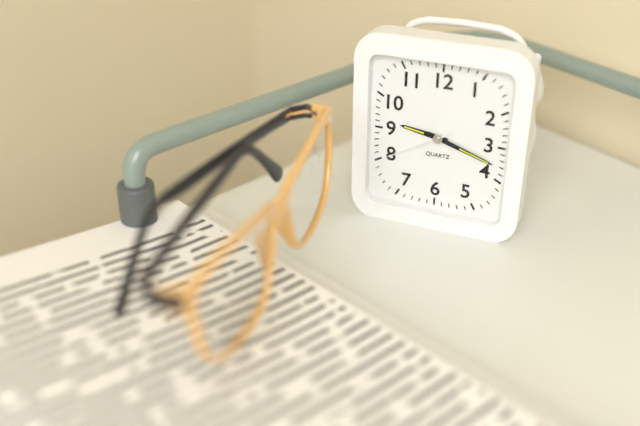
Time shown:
**9:18:40**
